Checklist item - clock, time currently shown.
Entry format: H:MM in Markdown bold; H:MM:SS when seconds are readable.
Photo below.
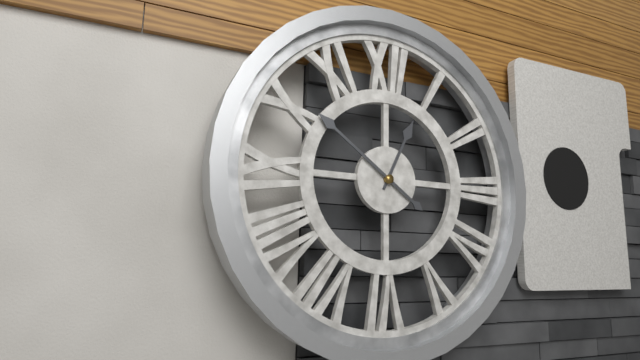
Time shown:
**12:51**
